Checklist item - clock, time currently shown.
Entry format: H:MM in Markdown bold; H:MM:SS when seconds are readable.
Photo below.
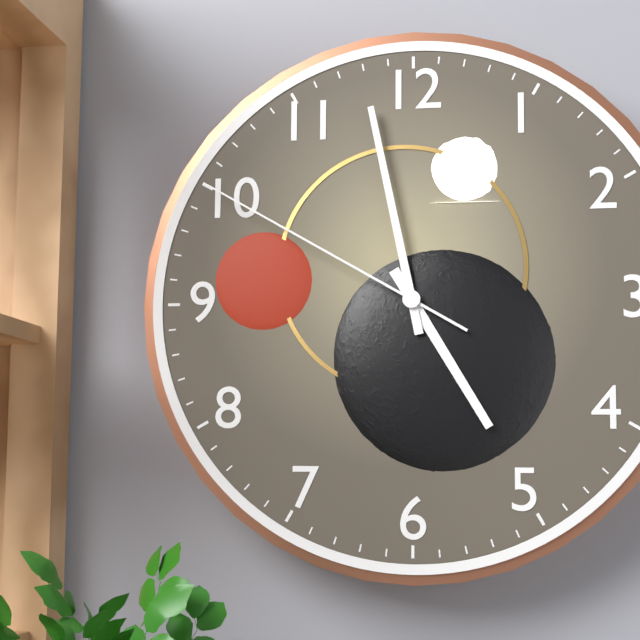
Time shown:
**4:58:50**
